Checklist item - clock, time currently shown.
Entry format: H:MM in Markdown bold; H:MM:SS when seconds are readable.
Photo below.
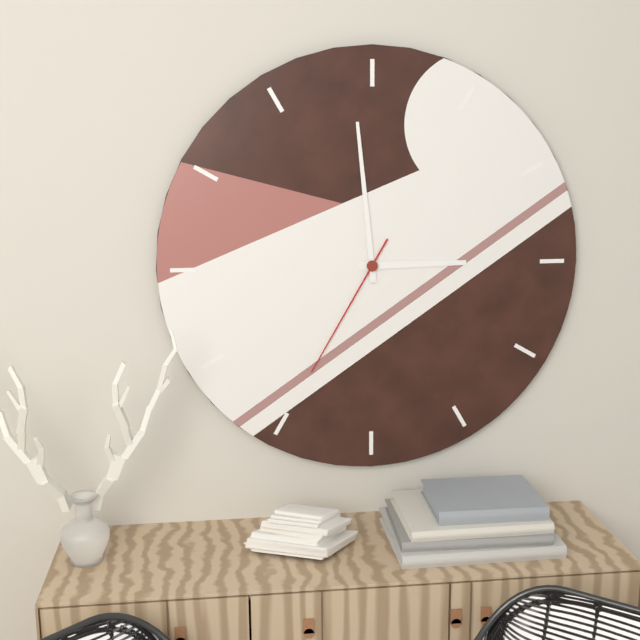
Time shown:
**2:59:35**
